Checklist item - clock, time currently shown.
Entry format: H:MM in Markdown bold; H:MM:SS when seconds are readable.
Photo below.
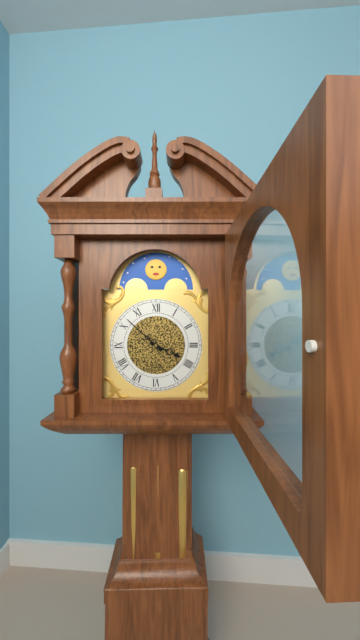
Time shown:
**3:52**
